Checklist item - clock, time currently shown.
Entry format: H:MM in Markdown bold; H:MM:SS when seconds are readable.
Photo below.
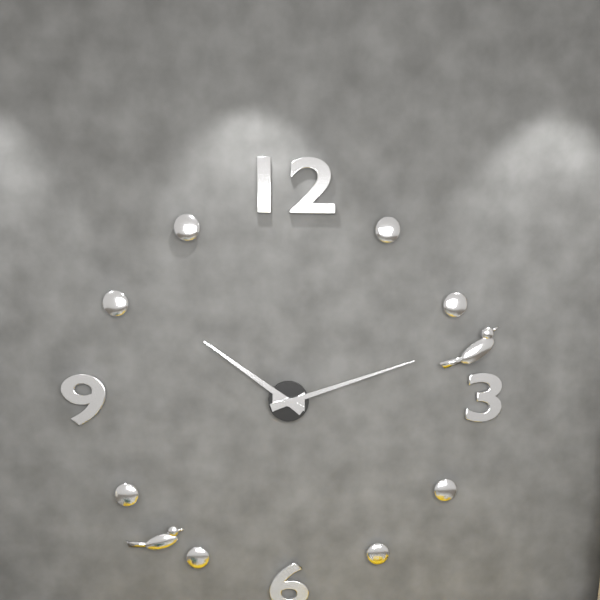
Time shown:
**10:12**
